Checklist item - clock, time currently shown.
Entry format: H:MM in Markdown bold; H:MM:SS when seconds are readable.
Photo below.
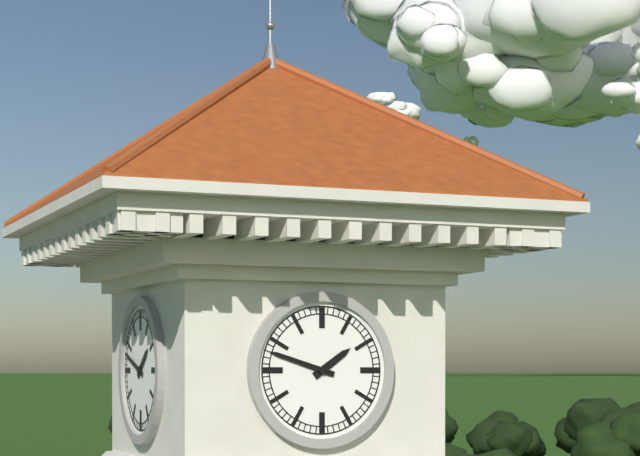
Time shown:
**1:48**
